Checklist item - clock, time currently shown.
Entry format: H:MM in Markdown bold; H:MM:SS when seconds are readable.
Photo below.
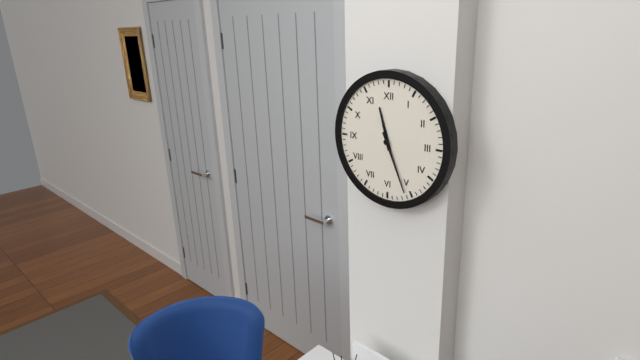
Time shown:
**11:26**
